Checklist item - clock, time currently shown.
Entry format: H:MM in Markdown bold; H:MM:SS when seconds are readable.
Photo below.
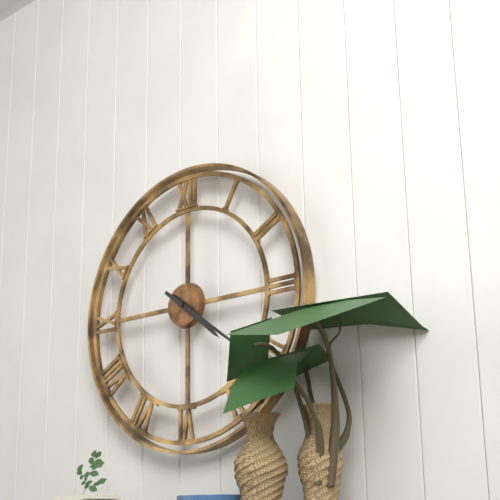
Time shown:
**4:21**
